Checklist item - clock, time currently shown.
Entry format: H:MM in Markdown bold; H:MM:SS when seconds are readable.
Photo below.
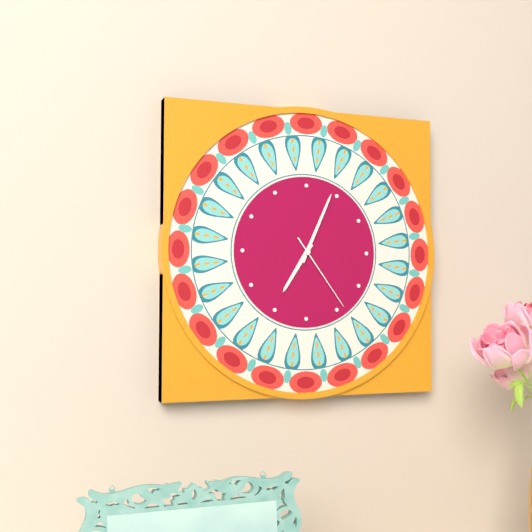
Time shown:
**7:04:24**
